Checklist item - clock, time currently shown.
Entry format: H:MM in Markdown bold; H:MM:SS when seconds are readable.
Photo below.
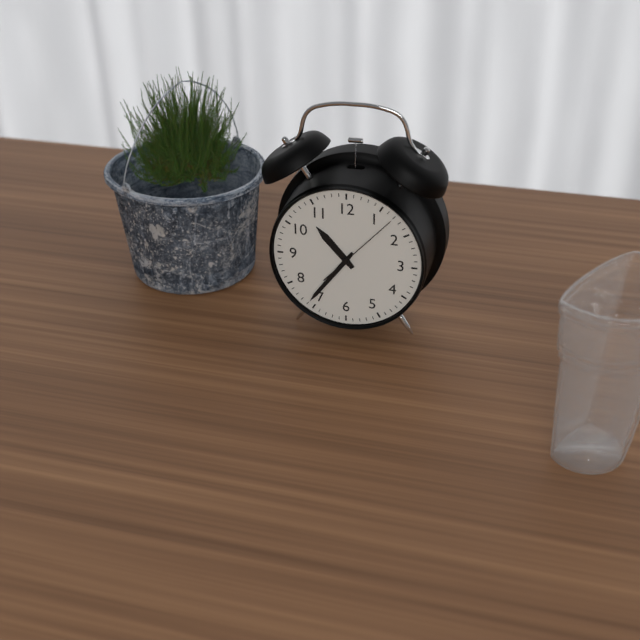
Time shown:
**10:36:07**
